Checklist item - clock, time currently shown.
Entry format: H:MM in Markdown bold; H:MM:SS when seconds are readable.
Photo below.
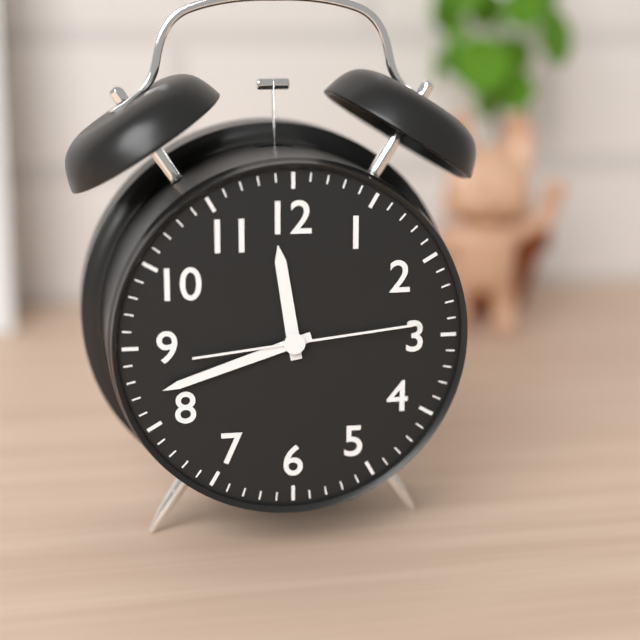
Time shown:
**11:42:14**
